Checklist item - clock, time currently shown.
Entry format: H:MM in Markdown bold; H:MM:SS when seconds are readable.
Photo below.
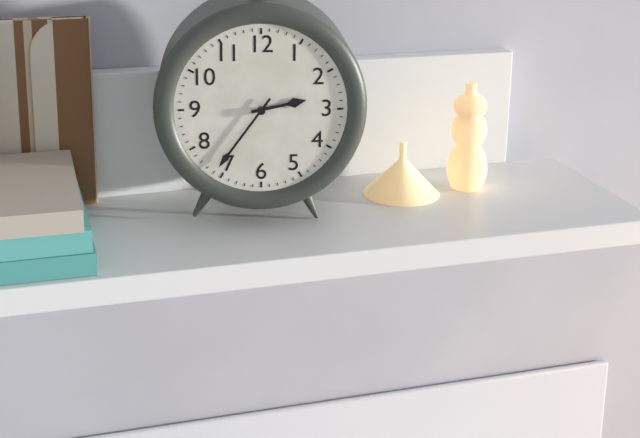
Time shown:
**2:36**
